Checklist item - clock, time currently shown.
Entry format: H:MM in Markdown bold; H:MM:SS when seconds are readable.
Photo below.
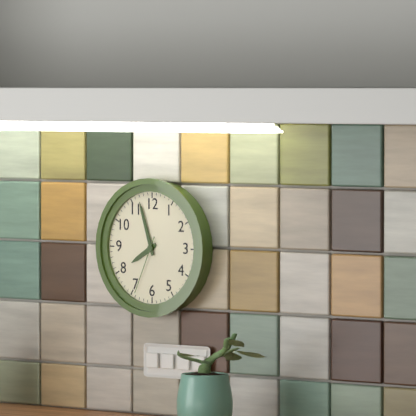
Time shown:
**7:57:34**
